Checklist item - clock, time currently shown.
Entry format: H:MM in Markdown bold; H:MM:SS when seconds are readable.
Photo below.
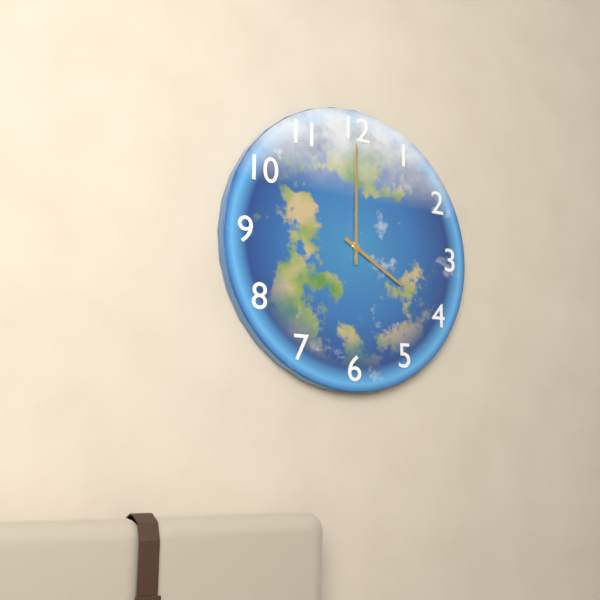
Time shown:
**4:00**
